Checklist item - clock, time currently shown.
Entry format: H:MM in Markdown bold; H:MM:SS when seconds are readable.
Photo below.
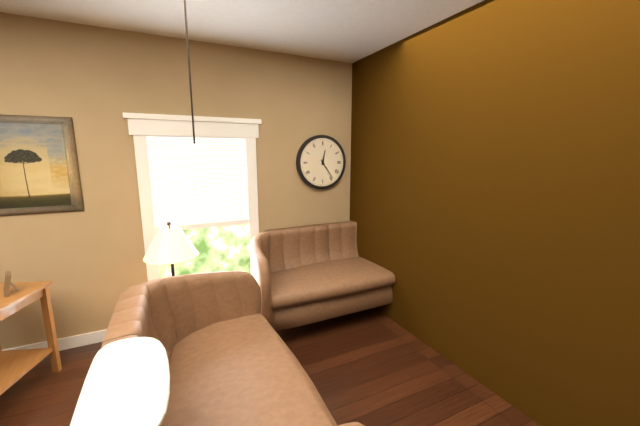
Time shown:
**12:24**
